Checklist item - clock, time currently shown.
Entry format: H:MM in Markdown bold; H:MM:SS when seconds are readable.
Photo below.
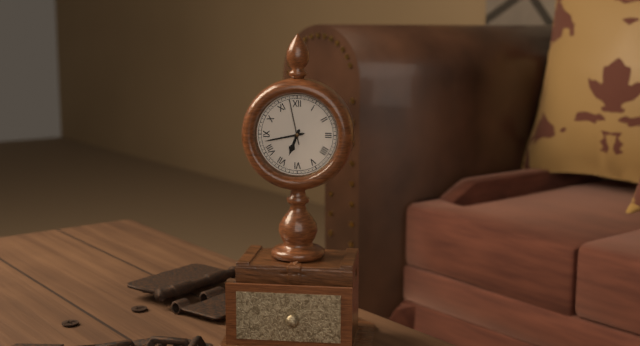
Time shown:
**6:43**
